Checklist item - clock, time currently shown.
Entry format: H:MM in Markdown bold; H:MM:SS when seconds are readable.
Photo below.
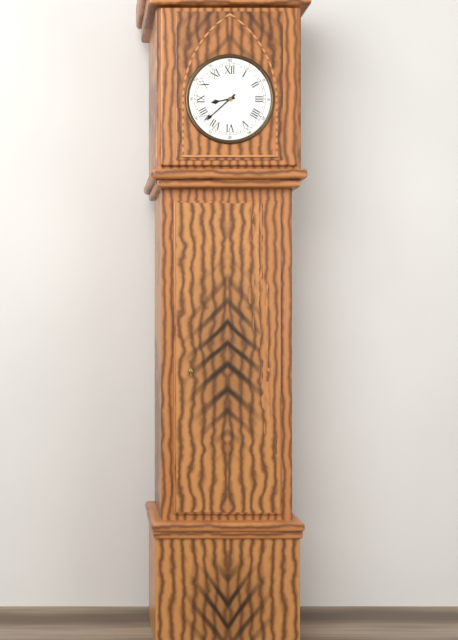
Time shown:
**8:38**
